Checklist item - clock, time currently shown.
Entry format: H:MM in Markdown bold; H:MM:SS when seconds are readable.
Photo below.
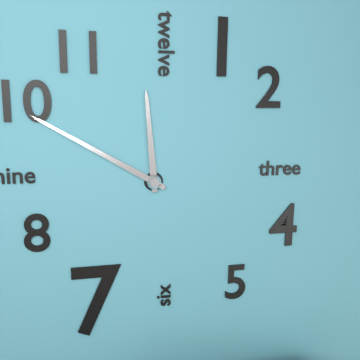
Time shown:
**11:50**
